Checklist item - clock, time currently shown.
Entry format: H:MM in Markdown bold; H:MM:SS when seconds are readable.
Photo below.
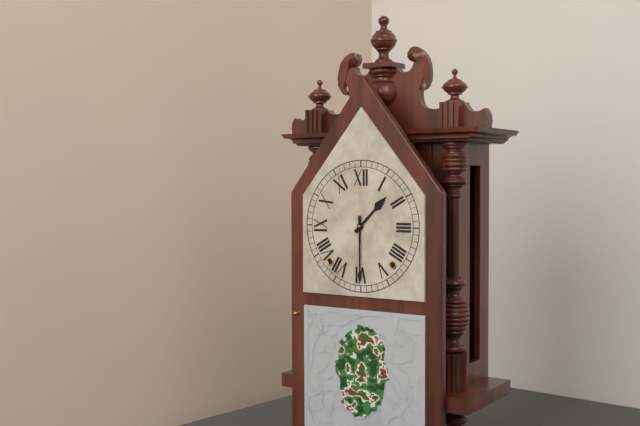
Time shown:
**1:30**
